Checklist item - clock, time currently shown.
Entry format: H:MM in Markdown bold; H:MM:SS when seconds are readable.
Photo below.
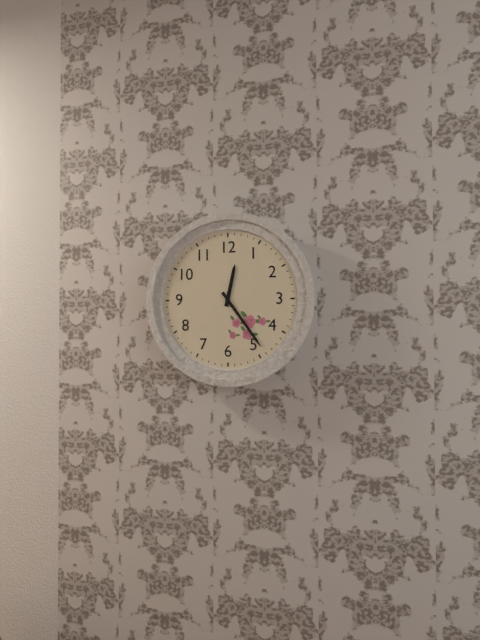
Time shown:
**12:24**
